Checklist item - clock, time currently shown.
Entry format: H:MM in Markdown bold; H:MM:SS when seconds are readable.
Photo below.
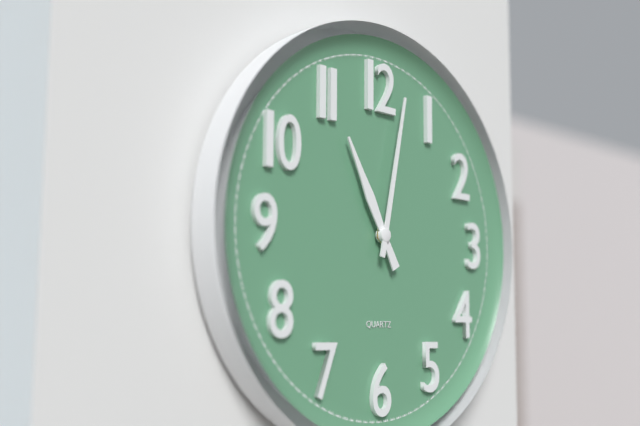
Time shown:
**11:02**
